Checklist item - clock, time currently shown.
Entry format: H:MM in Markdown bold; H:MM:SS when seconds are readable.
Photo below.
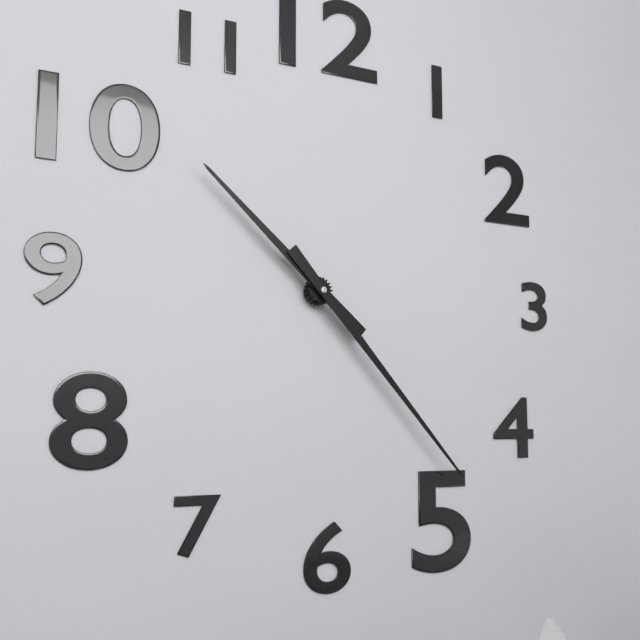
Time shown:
**10:23**
